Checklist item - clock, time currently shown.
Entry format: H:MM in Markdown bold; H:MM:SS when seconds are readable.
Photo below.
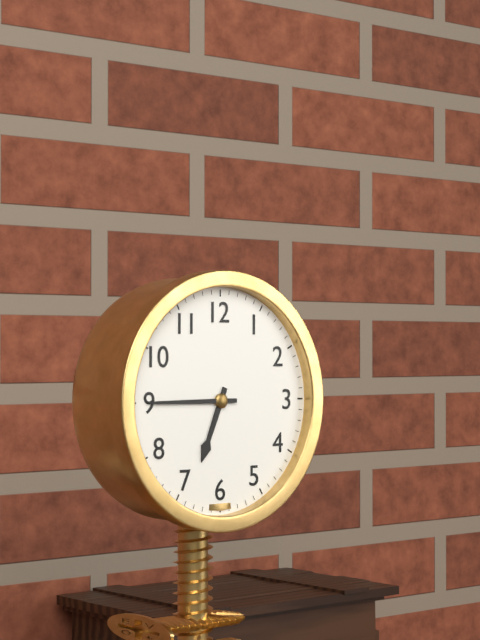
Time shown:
**6:45**
